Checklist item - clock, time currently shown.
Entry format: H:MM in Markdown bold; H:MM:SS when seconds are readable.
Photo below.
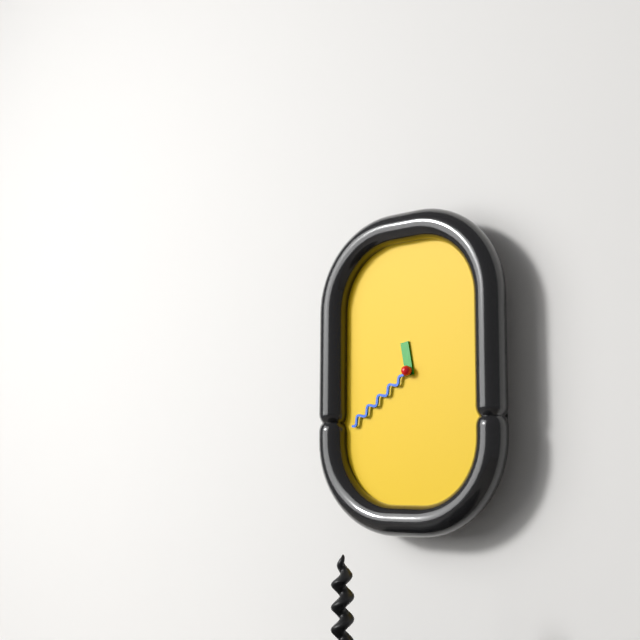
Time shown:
**11:39**
